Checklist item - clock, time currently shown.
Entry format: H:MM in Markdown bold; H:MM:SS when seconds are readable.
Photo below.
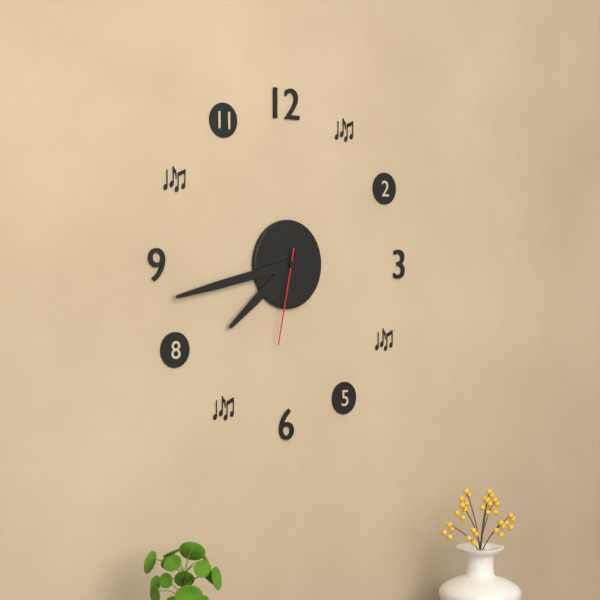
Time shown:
**7:43:32**
